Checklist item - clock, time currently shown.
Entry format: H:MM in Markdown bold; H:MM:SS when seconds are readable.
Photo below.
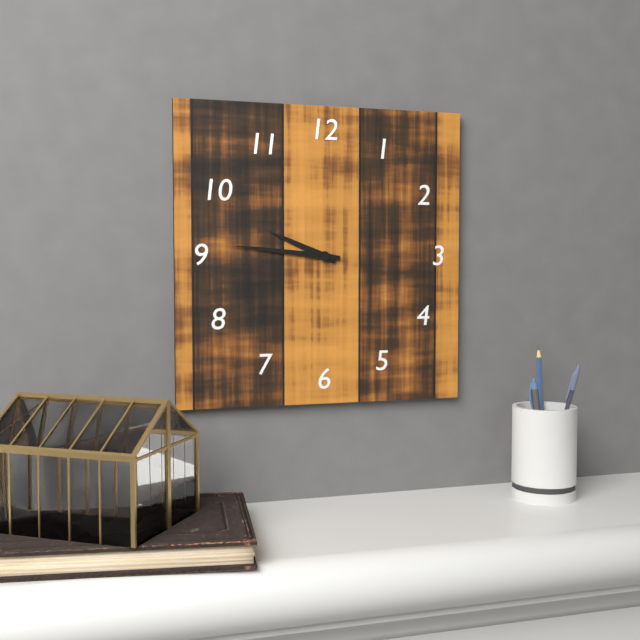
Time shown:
**9:46**
